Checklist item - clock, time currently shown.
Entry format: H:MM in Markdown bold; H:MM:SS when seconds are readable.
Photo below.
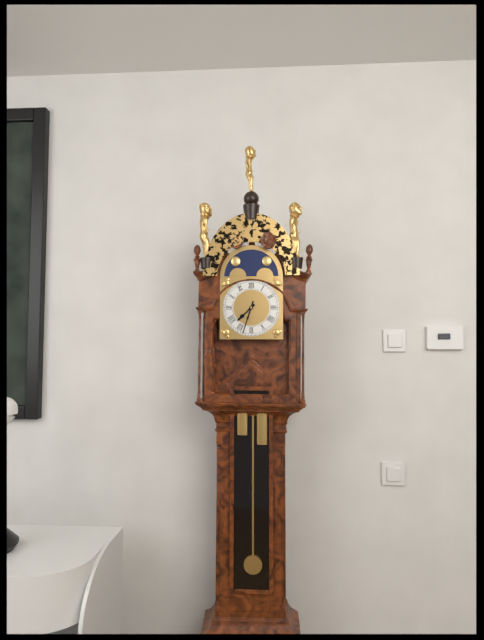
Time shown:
**7:33**
